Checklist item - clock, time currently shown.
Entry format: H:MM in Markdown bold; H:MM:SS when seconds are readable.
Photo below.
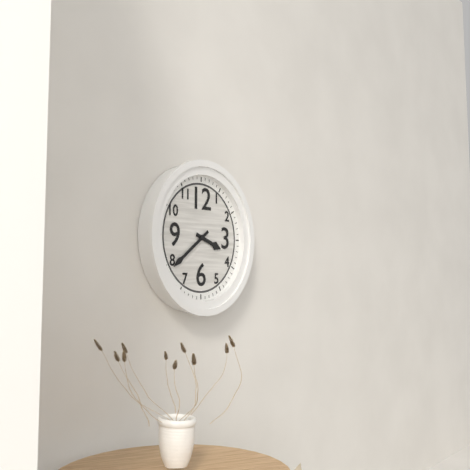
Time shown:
**3:39**
